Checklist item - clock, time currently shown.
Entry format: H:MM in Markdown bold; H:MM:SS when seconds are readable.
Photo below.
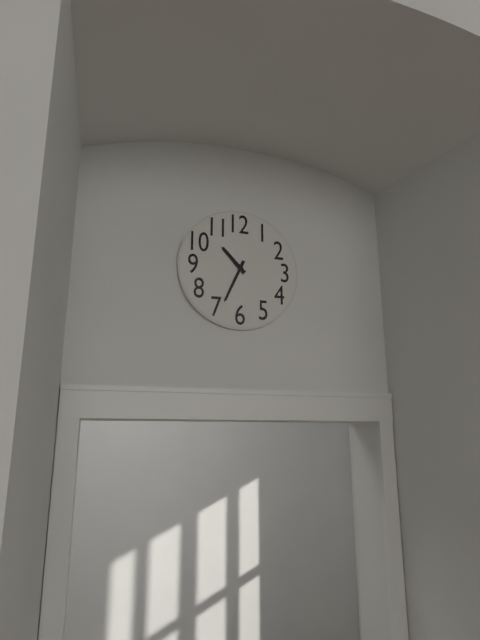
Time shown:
**10:34**
